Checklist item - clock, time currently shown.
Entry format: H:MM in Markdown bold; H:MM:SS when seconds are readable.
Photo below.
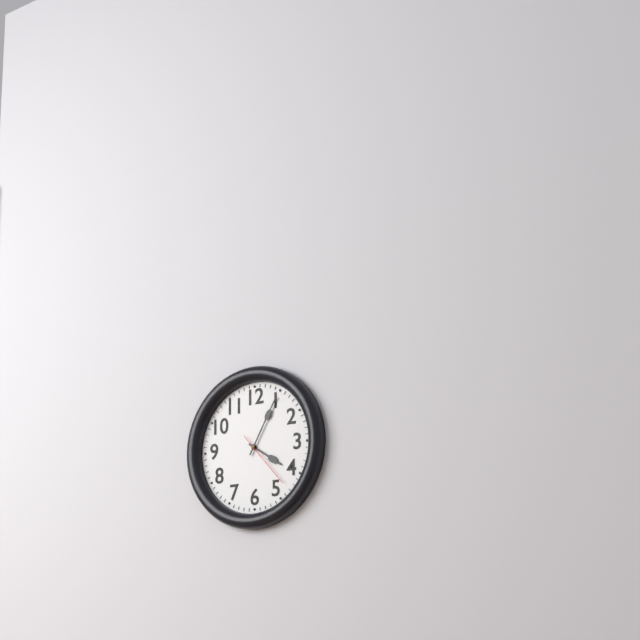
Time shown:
**4:05:23**
